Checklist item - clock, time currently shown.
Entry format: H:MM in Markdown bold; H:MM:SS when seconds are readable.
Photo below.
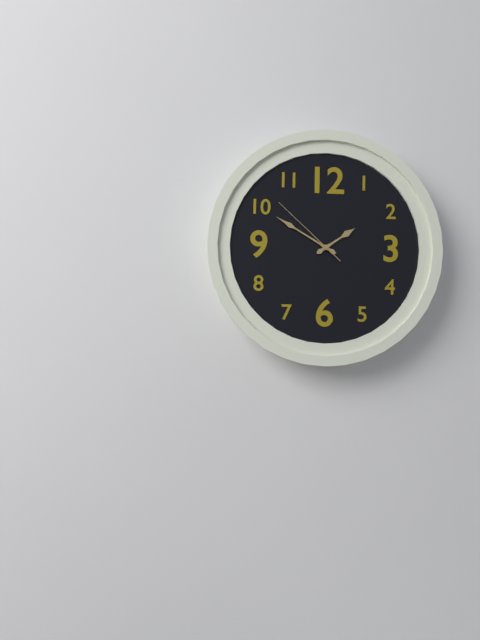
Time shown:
**1:50:52**
